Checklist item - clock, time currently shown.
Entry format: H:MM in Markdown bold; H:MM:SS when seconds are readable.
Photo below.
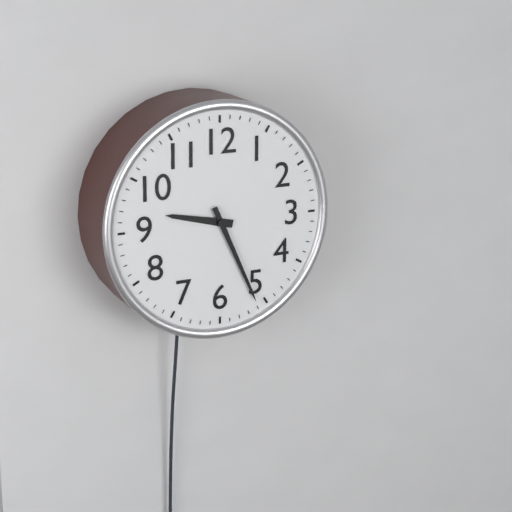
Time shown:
**9:26**
